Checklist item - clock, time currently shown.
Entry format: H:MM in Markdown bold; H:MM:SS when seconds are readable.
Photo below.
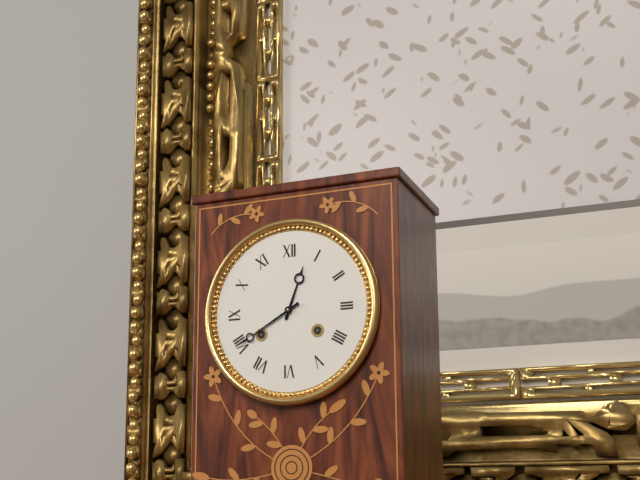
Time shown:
**12:40**
